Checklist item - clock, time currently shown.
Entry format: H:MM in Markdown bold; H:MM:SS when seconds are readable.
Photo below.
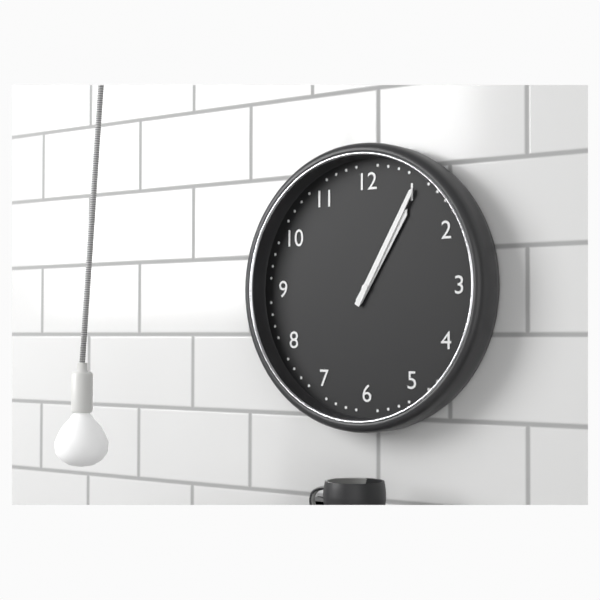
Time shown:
**1:05**
